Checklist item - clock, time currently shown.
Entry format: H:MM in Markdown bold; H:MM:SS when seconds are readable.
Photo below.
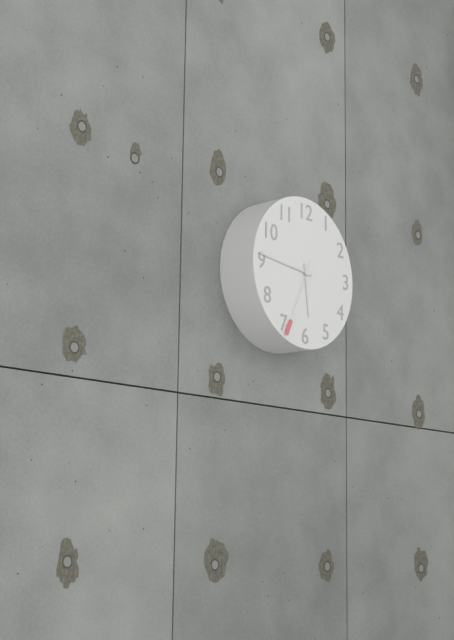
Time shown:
**5:46:34**
